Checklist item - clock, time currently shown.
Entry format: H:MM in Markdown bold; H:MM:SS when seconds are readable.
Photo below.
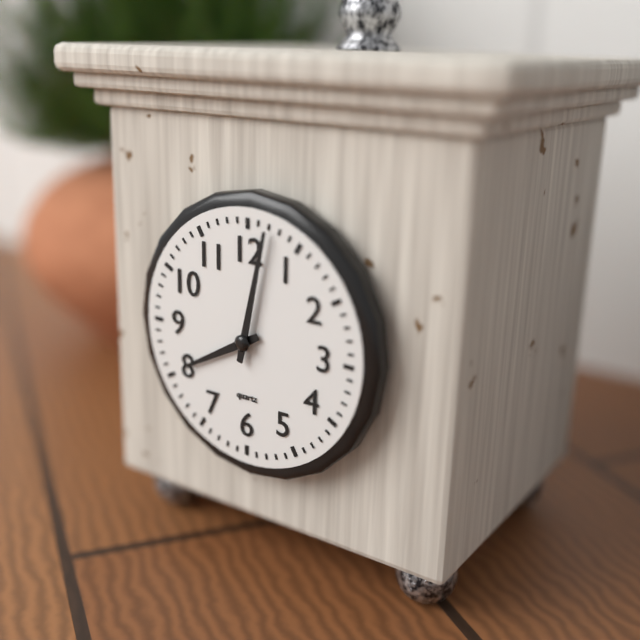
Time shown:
**8:02**
